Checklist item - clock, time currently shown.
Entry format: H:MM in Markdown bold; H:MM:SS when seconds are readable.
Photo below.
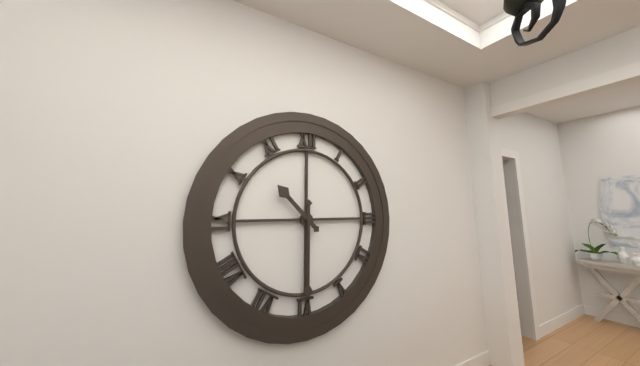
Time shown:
**10:30**
